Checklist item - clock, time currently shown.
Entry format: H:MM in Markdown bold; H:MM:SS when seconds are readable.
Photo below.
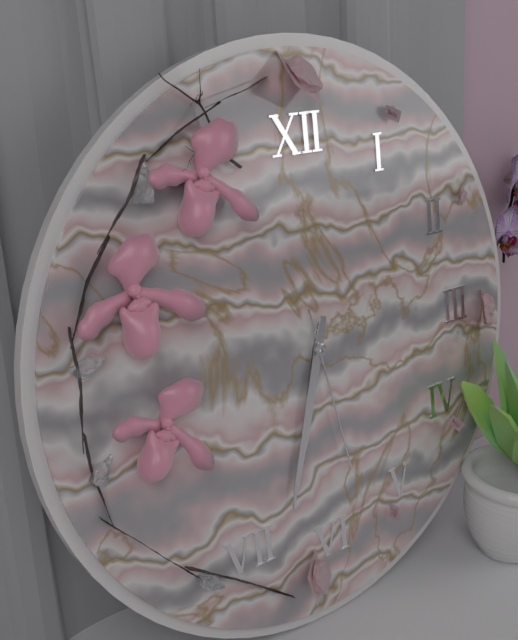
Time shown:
**6:33:28**
